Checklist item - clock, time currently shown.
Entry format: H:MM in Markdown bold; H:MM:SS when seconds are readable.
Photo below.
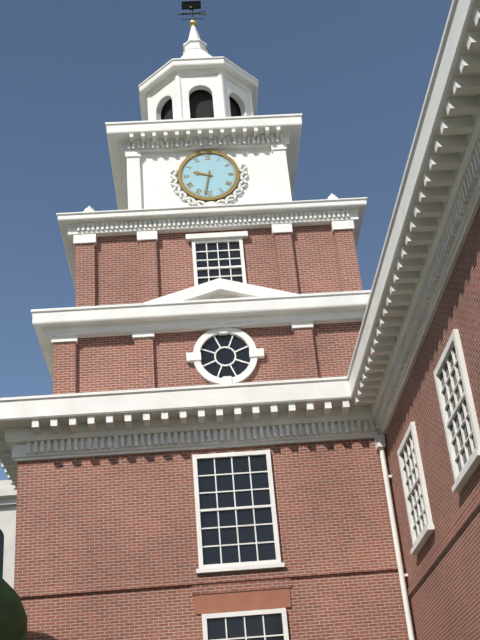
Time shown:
**9:32**
